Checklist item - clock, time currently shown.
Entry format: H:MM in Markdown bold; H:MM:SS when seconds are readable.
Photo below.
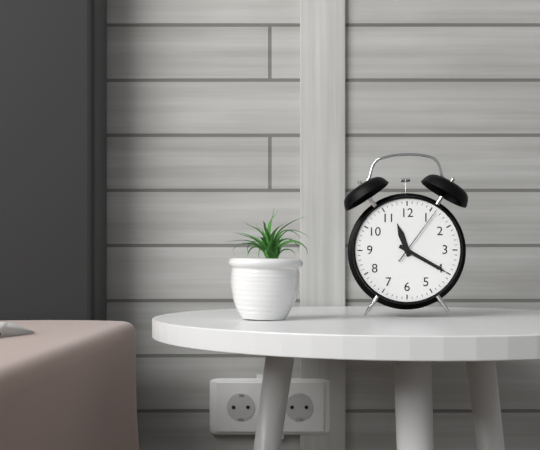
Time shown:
**11:20:06**
